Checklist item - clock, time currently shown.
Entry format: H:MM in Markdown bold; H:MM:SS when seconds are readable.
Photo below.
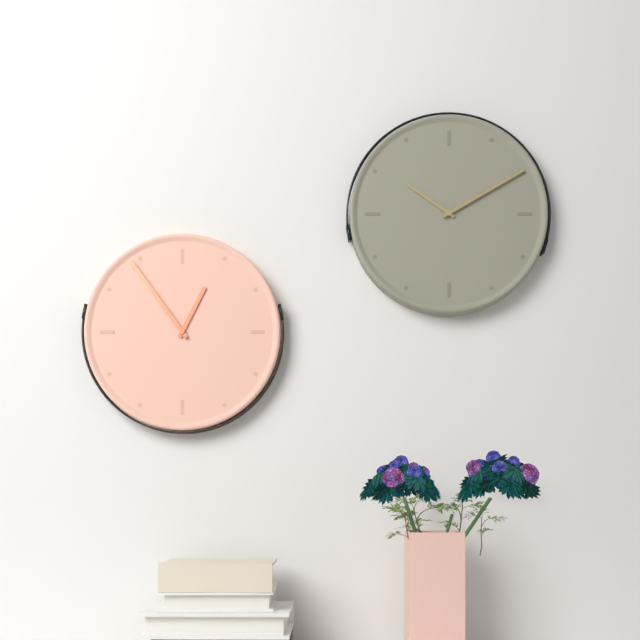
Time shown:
**12:54**
